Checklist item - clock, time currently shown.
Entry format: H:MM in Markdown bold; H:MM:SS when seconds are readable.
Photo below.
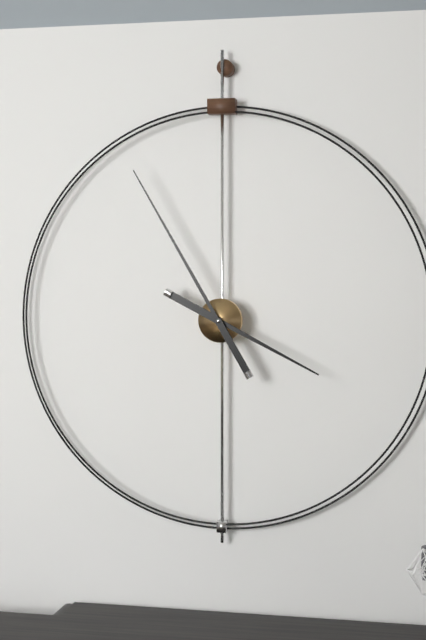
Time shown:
**3:55**
